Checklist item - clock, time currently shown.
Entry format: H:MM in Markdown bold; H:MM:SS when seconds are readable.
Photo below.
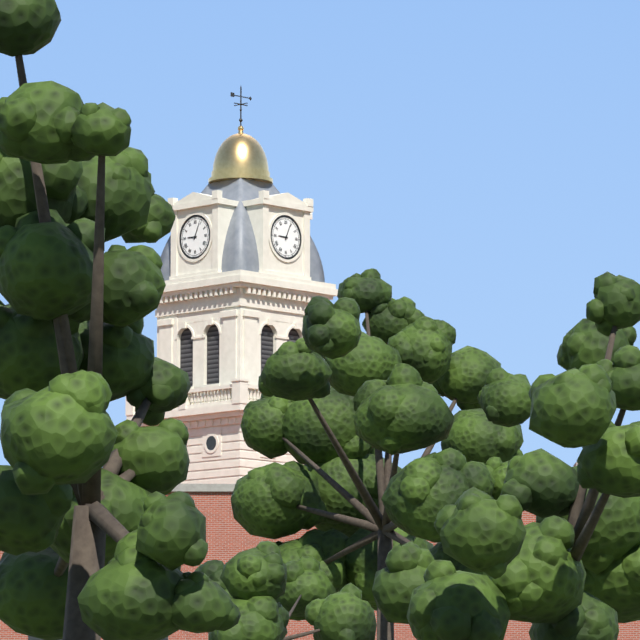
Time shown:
**9:04**
